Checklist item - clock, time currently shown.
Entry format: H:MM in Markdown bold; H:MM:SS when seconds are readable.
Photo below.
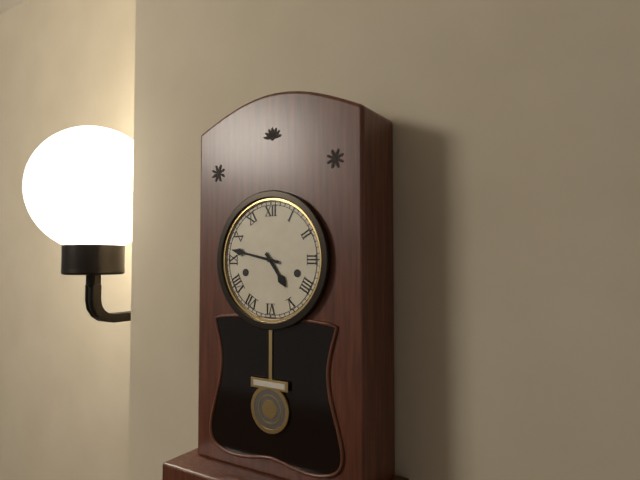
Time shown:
**4:47**
